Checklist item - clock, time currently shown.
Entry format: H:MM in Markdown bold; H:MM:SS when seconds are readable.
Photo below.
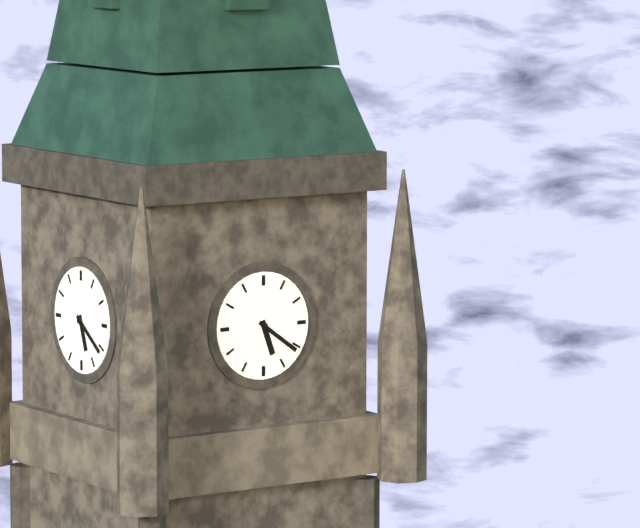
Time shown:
**5:21**
